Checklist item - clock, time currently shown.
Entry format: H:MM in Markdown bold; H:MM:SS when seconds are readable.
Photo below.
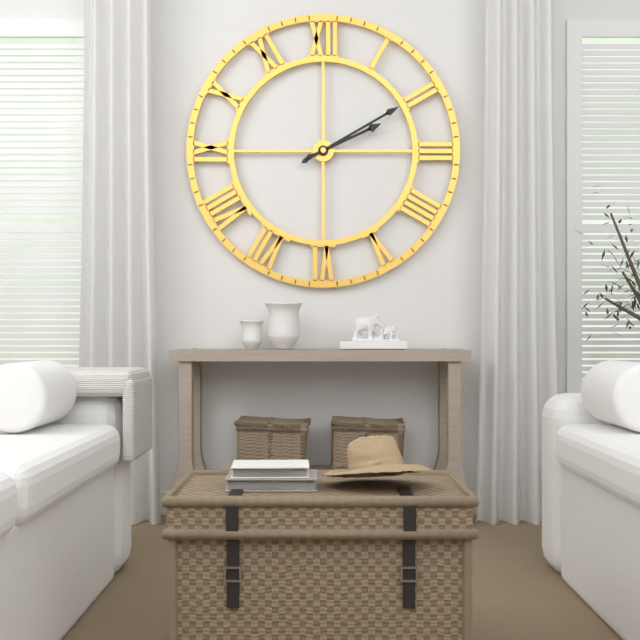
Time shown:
**2:10**
